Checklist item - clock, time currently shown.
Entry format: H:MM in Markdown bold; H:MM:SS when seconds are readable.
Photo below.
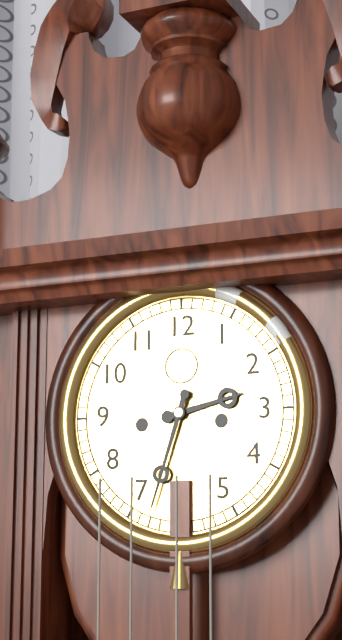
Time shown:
**2:33**
